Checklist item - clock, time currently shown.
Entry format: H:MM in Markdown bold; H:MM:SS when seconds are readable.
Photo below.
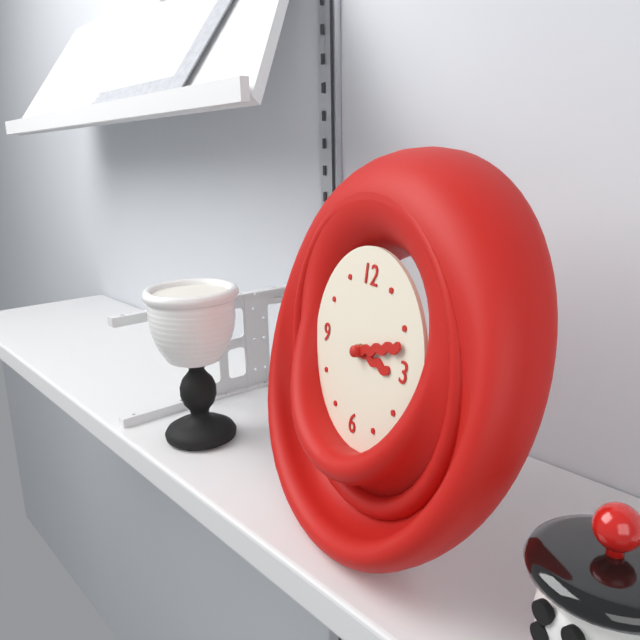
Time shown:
**3:12**
